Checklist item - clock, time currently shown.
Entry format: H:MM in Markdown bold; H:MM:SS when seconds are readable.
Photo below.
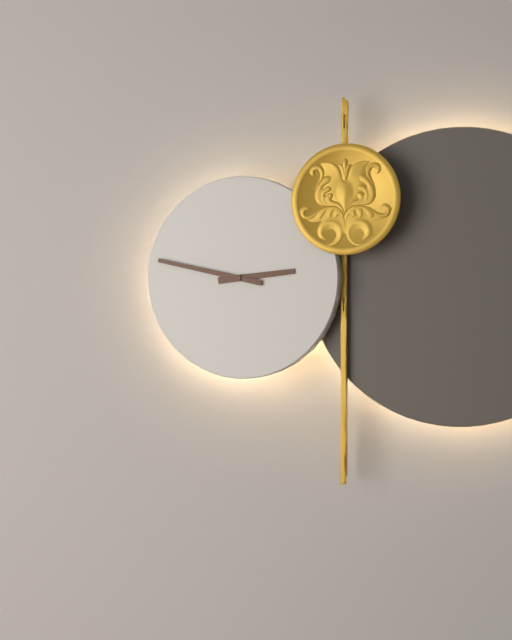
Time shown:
**2:47**
